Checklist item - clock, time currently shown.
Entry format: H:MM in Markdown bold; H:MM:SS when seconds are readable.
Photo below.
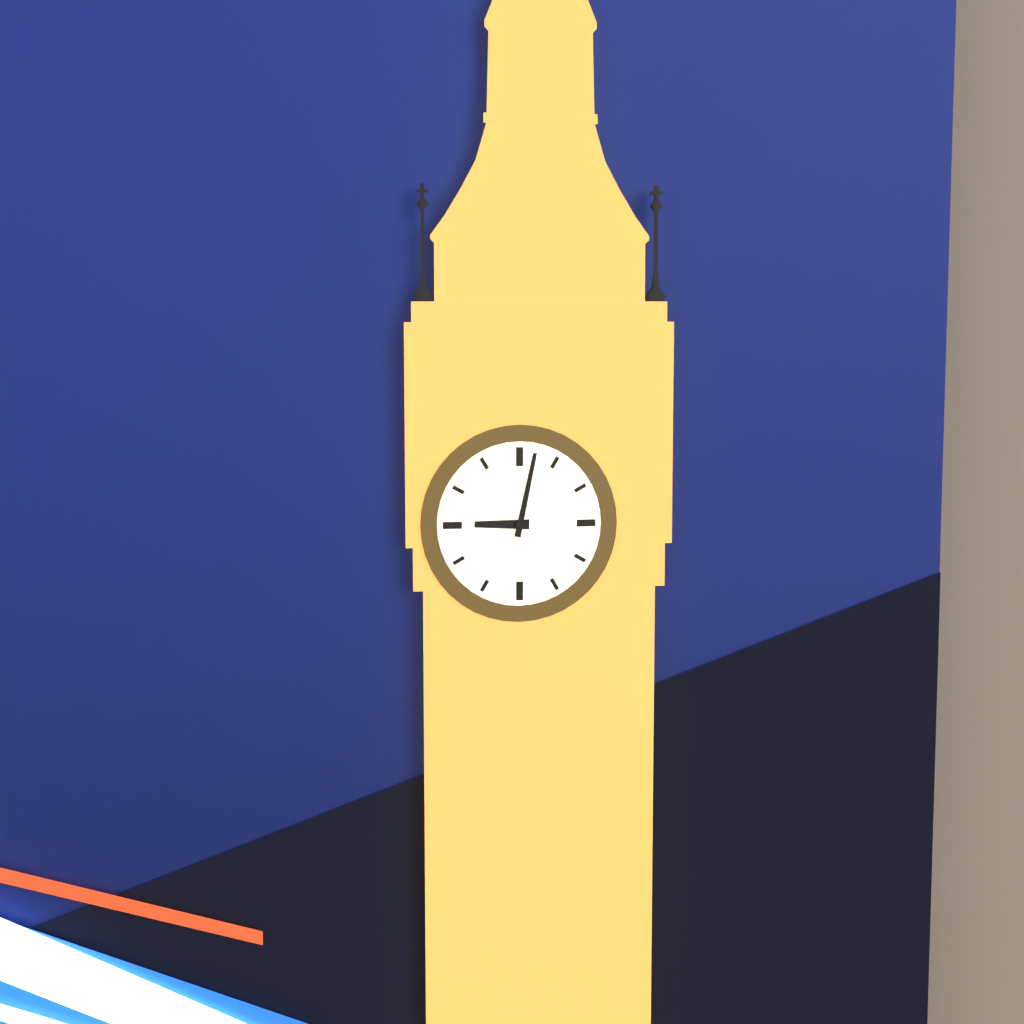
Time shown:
**9:02**
